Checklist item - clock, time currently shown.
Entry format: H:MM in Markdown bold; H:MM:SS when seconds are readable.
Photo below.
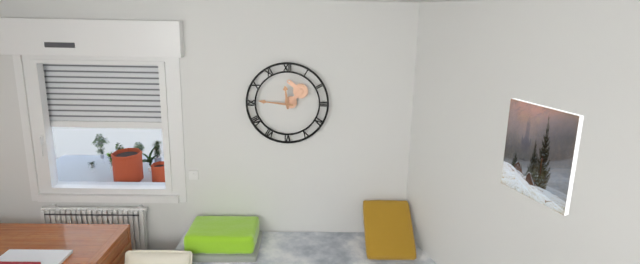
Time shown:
**11:46**
